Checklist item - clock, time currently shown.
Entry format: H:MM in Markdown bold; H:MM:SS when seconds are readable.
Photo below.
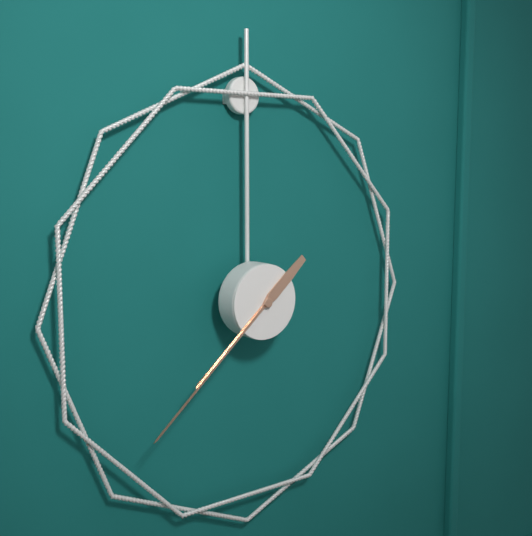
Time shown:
**7:38**
